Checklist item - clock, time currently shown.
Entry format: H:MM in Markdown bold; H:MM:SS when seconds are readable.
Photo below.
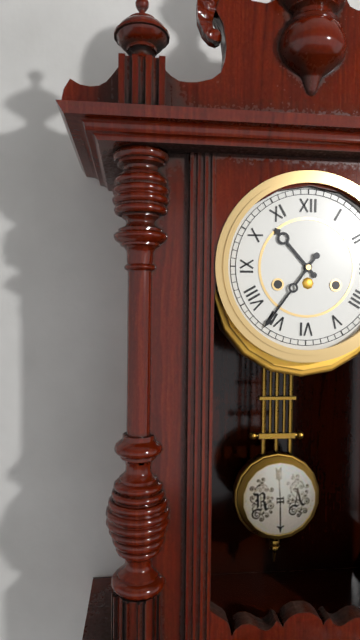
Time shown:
**10:36**
